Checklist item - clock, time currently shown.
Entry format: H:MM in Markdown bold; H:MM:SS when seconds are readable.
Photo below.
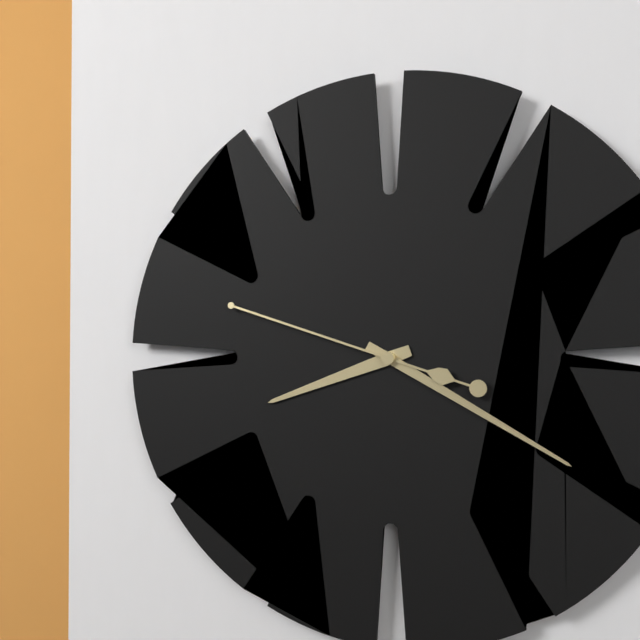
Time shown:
**8:20:48**
